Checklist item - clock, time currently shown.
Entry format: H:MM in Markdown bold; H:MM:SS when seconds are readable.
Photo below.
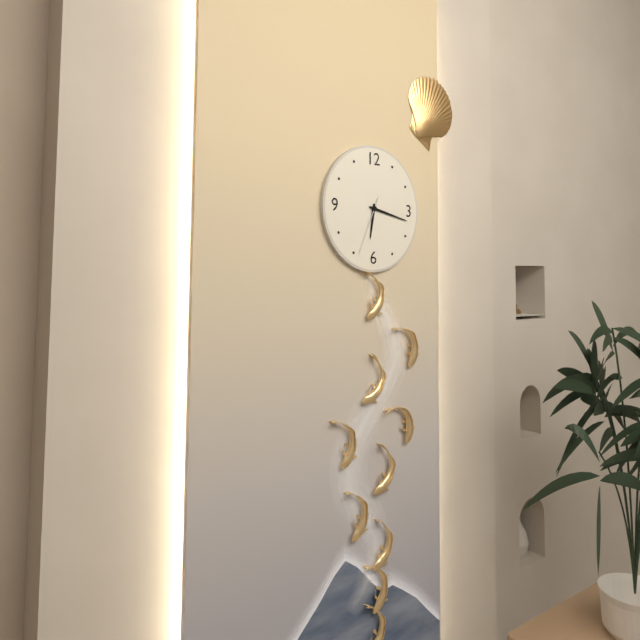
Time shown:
**6:17:34**
